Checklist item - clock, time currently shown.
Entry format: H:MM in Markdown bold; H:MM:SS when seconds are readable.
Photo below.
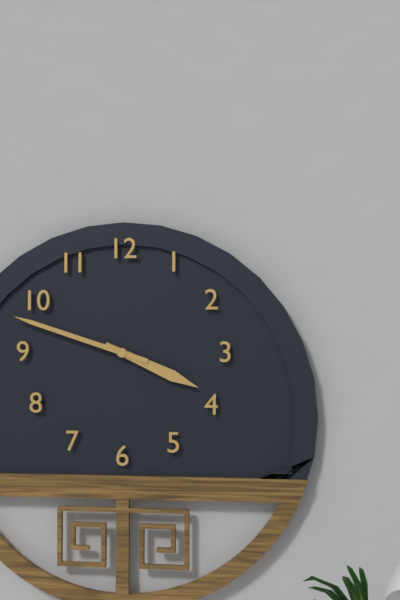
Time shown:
**3:48**
